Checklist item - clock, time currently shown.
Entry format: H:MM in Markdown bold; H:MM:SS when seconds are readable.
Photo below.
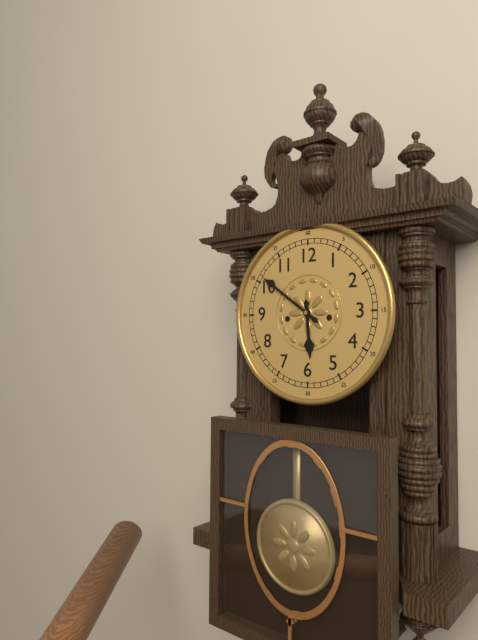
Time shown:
**5:51**
